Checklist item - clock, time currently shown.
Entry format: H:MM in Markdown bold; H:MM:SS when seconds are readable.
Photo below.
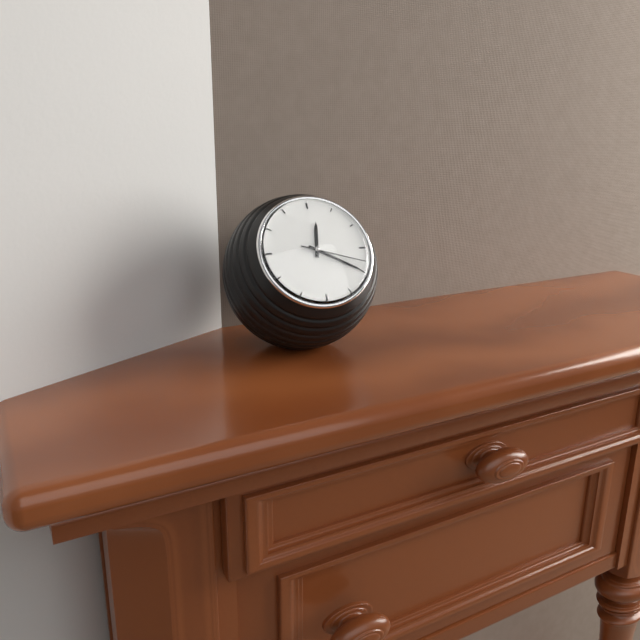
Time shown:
**12:20:18**
